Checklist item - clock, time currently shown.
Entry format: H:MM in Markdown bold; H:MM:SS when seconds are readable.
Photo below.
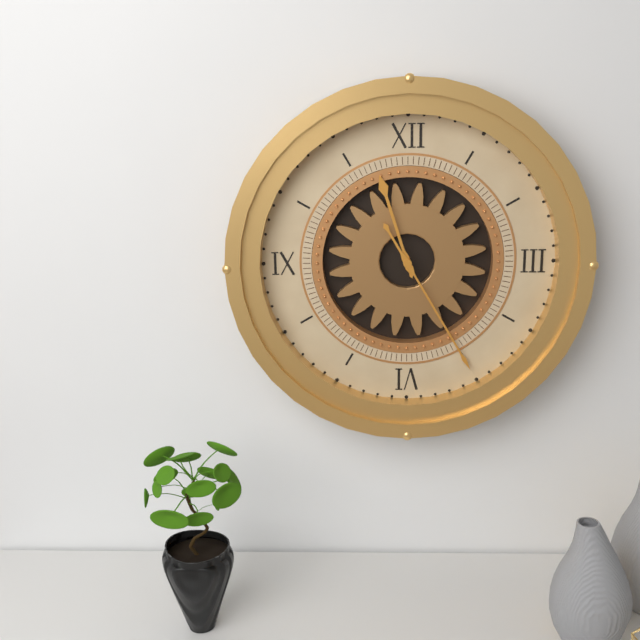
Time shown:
**11:25**
